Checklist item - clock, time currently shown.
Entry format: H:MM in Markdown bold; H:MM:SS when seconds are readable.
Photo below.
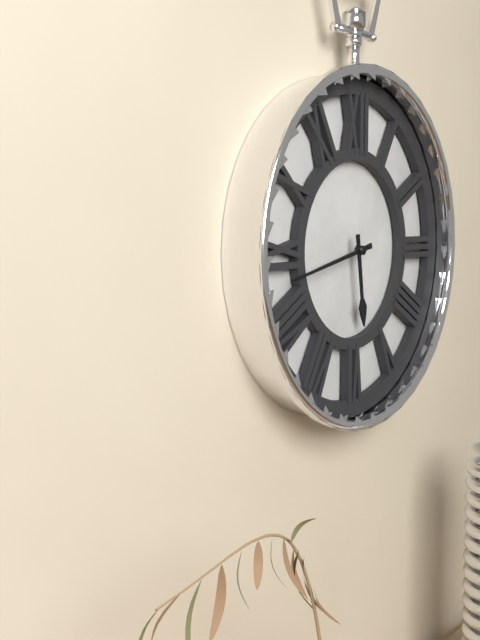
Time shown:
**5:43**
